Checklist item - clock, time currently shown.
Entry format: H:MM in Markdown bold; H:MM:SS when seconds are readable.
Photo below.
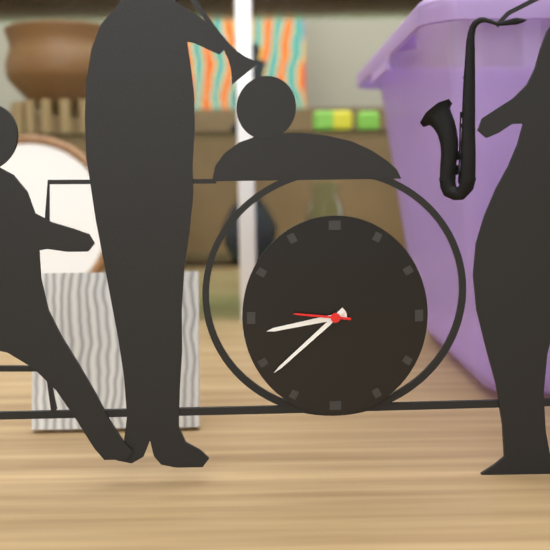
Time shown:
**8:38:46**
